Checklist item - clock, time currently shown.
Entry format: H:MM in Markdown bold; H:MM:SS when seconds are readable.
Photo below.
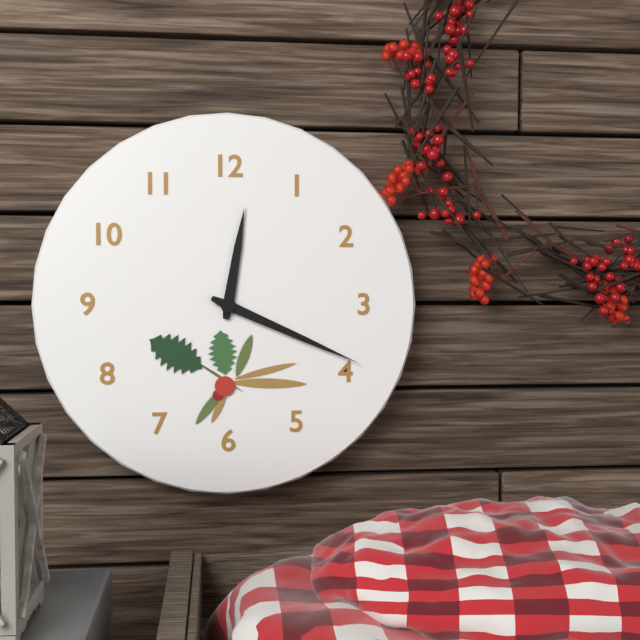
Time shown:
**12:19**
